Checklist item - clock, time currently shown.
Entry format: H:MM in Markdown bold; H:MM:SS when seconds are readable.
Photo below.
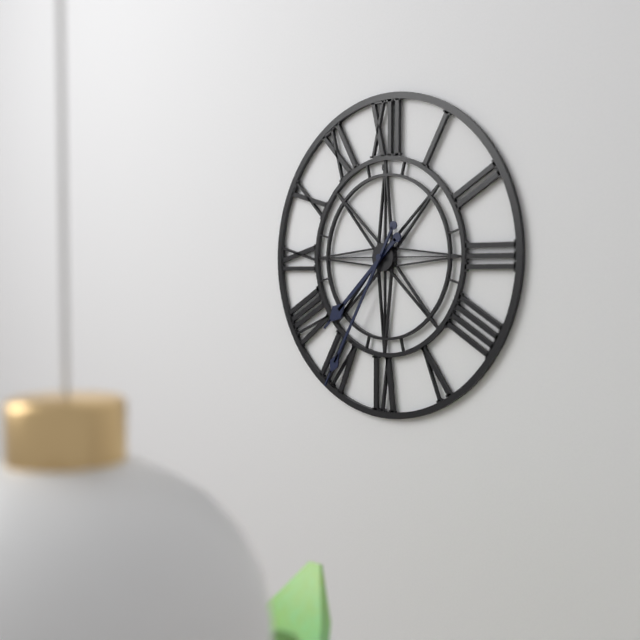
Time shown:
**7:35**
